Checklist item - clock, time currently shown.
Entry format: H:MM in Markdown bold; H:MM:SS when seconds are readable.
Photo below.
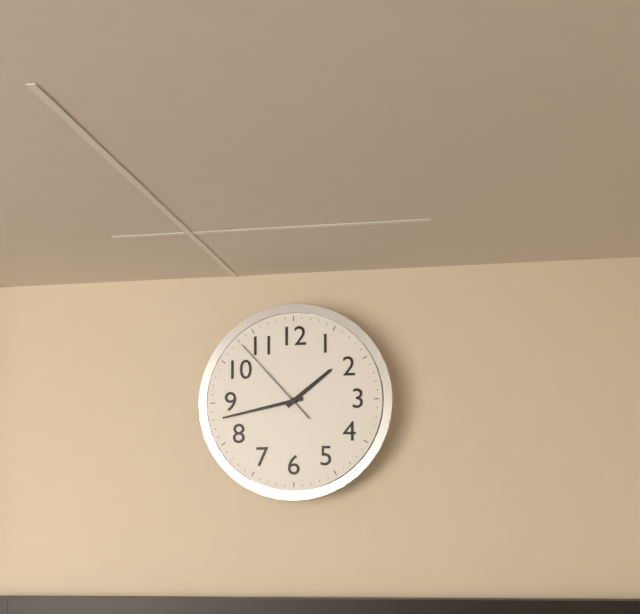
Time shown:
**1:43:53**
